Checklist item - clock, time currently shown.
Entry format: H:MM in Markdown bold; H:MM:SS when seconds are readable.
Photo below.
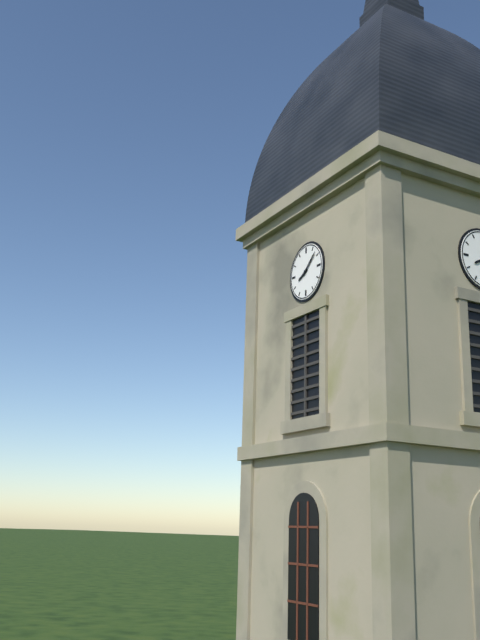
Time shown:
**8:08**
